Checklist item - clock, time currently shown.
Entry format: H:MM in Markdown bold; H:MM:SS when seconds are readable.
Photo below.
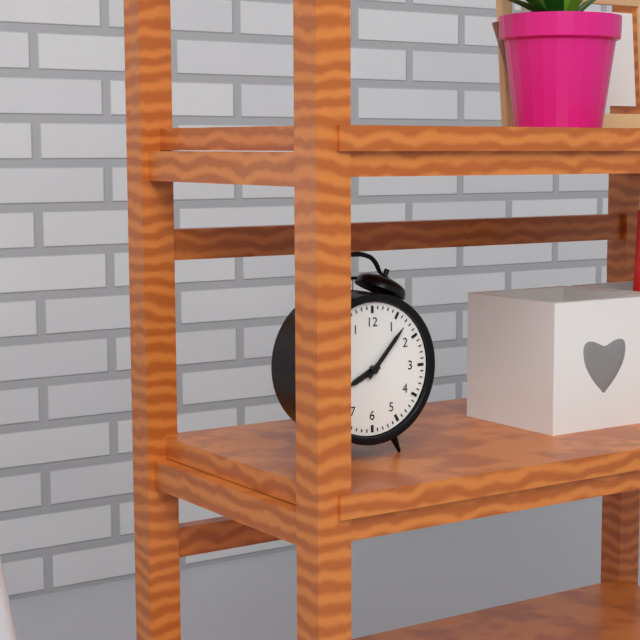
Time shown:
**8:07**
